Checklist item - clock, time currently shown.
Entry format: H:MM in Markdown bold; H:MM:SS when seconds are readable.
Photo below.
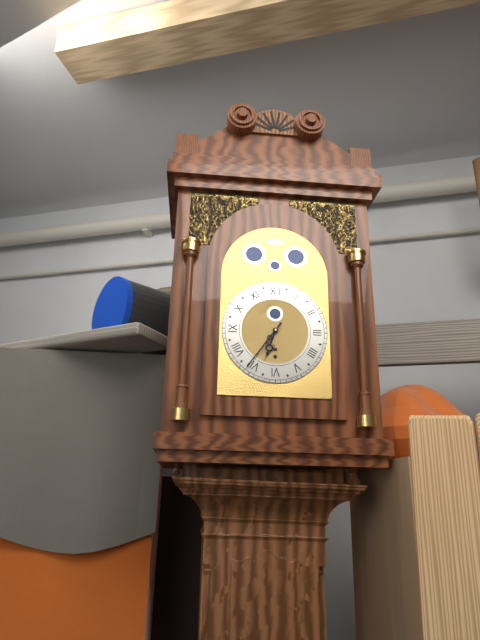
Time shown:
**6:36**
